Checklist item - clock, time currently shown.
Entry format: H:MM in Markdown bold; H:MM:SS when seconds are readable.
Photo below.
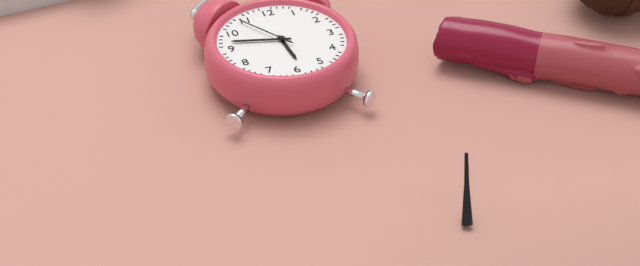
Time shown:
**5:47:54**
